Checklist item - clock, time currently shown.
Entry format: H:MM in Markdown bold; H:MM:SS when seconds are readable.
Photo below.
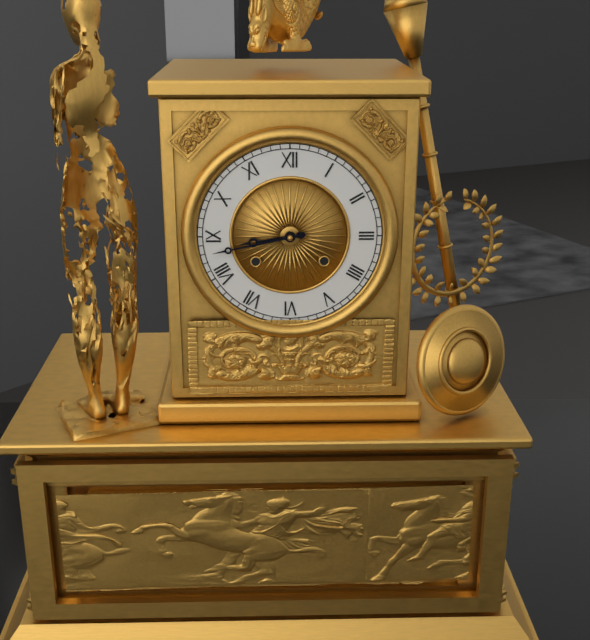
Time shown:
**8:43**
